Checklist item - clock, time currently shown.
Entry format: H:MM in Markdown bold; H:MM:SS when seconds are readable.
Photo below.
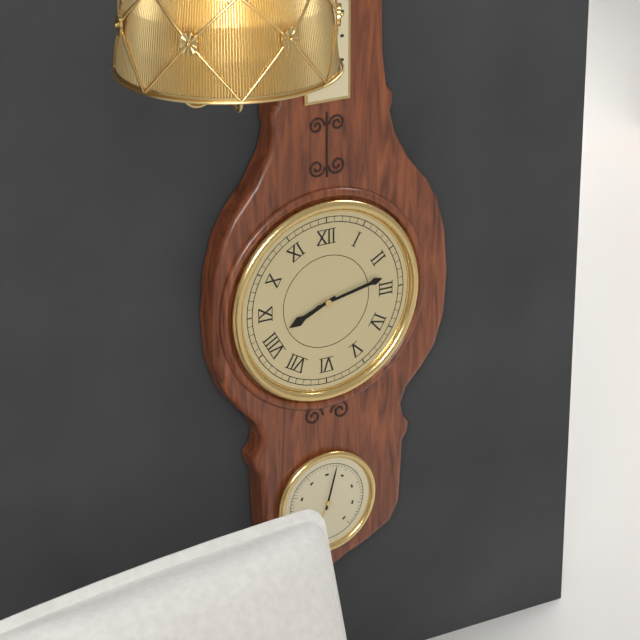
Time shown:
**8:13**
